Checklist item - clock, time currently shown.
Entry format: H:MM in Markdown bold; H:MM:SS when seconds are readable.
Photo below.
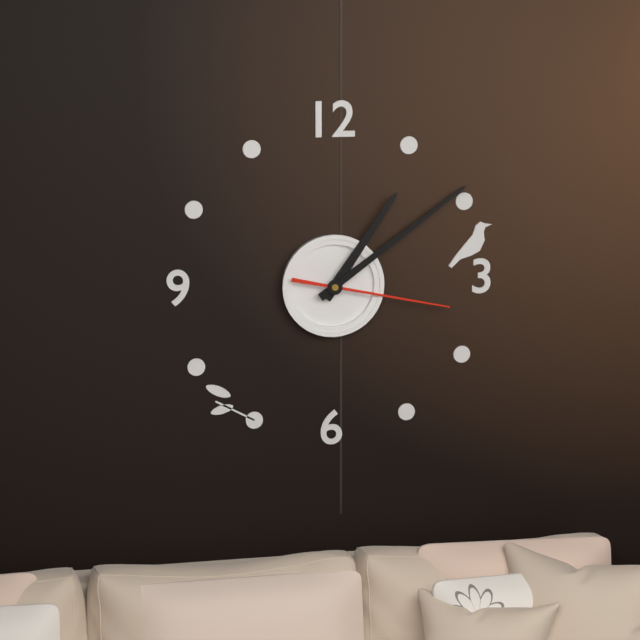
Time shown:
**1:09:17**
